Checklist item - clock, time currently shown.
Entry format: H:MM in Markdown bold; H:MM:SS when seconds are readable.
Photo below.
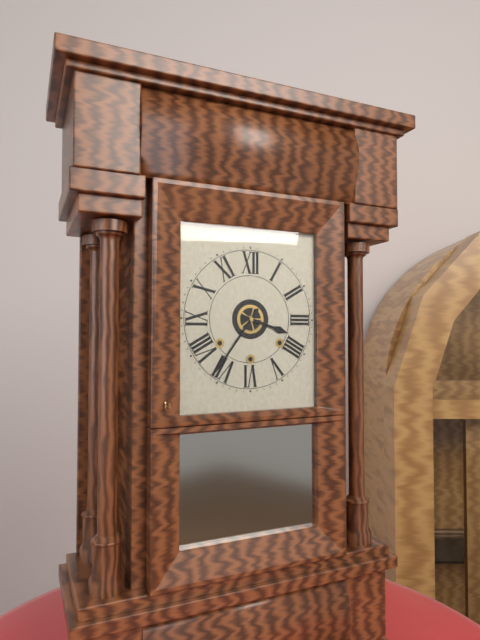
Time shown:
**3:36**
